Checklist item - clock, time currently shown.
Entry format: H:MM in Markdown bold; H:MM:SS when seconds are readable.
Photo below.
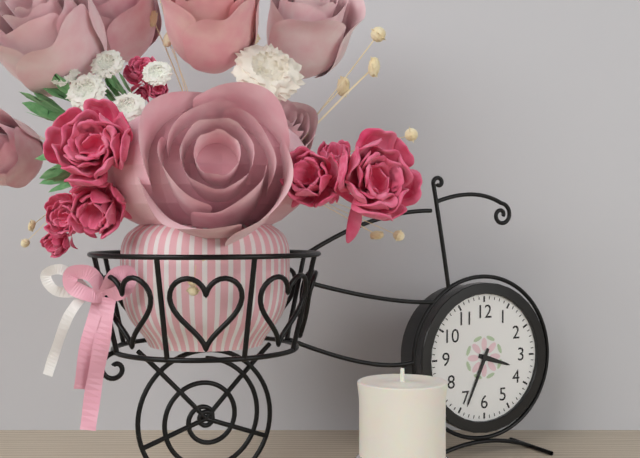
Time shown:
**3:34**
